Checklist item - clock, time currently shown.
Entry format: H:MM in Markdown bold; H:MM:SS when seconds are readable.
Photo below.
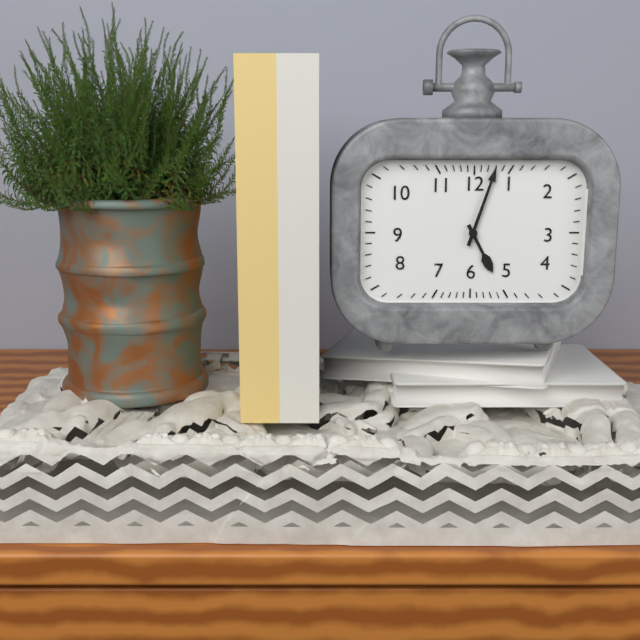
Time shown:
**5:03**
